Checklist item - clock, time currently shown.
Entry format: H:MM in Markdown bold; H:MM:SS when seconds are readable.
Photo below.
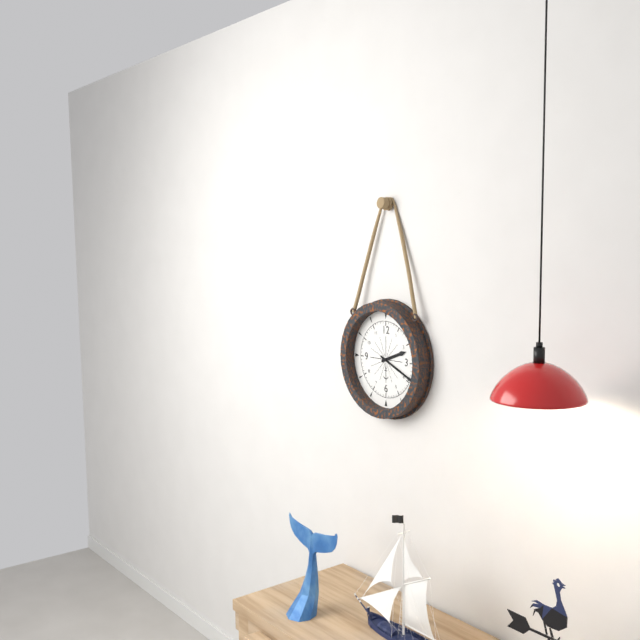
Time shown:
**2:19**
